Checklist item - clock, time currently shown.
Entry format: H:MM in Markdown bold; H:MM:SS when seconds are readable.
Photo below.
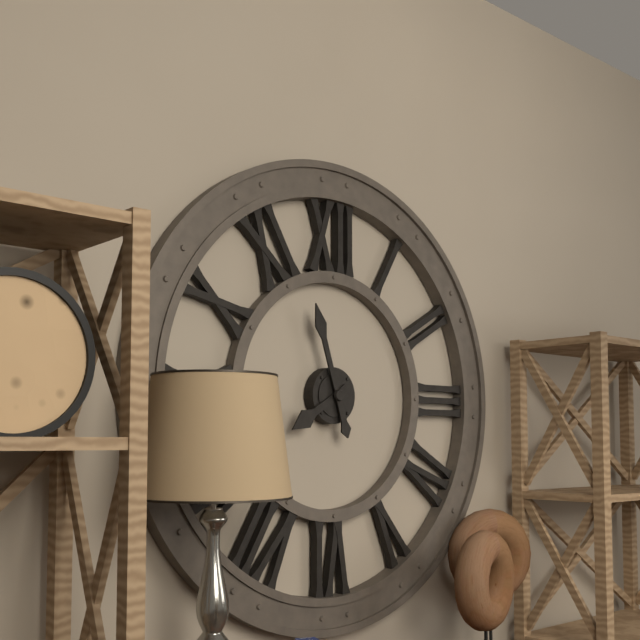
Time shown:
**7:57**
